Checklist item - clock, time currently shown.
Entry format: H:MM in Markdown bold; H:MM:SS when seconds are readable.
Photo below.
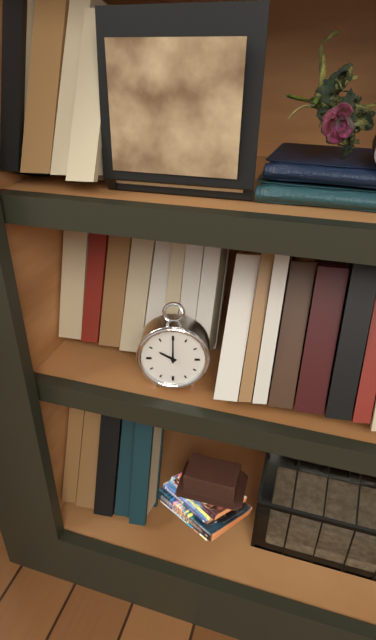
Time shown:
**10:00**
